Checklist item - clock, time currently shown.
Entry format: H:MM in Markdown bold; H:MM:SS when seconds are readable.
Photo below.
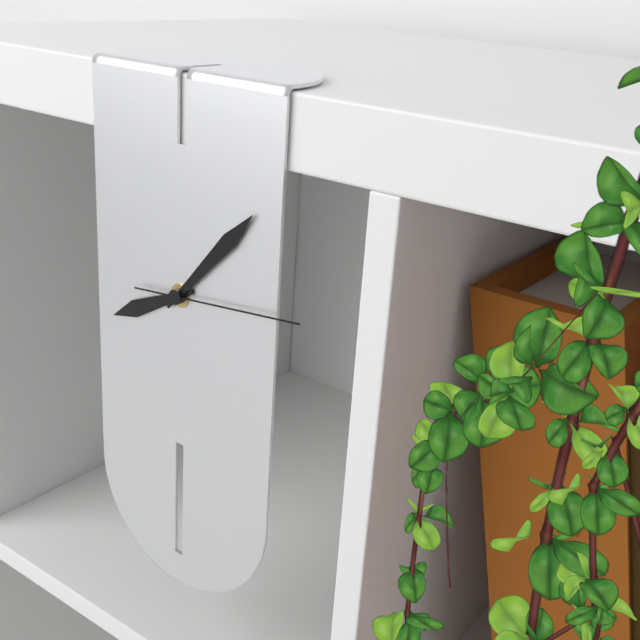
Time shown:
**8:07:14**
